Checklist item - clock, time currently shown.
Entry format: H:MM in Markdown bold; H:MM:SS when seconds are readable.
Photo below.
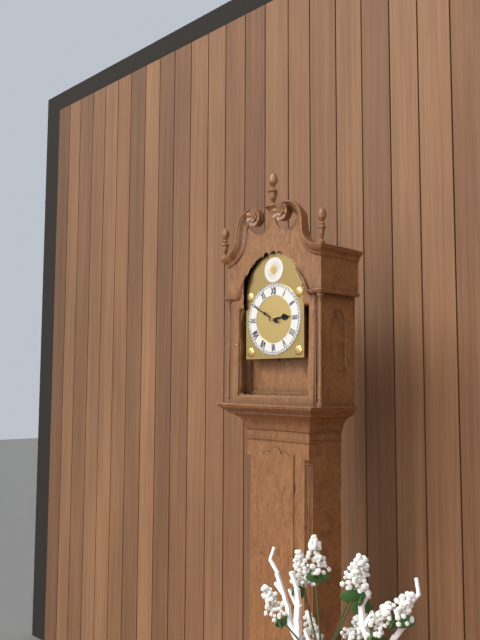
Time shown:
**2:50**
